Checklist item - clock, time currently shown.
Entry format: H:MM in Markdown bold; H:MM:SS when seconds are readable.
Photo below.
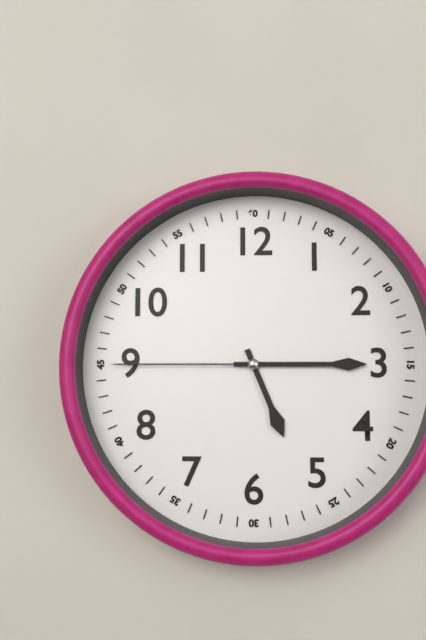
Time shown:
**5:15:45**
